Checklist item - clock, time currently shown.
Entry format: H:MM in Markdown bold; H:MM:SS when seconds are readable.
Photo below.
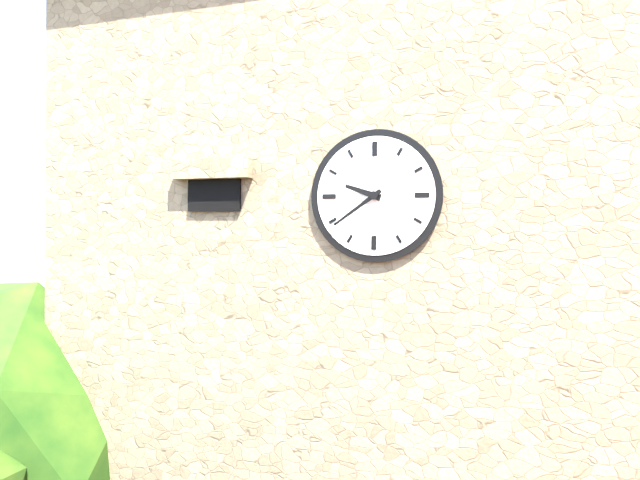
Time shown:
**9:39**
